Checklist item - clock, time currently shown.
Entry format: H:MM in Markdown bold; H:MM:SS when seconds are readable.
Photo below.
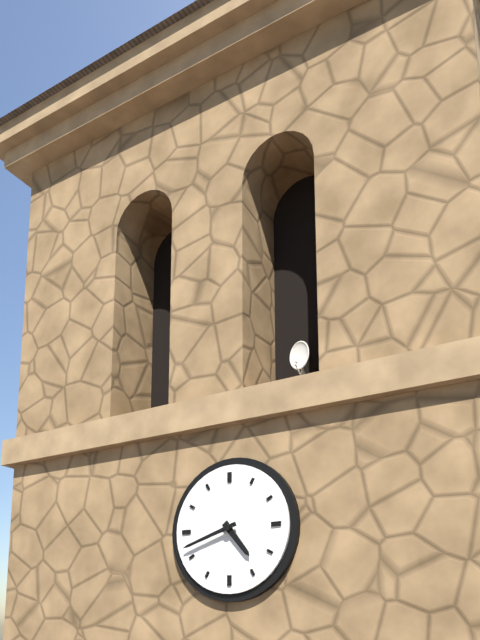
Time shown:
**4:42**
